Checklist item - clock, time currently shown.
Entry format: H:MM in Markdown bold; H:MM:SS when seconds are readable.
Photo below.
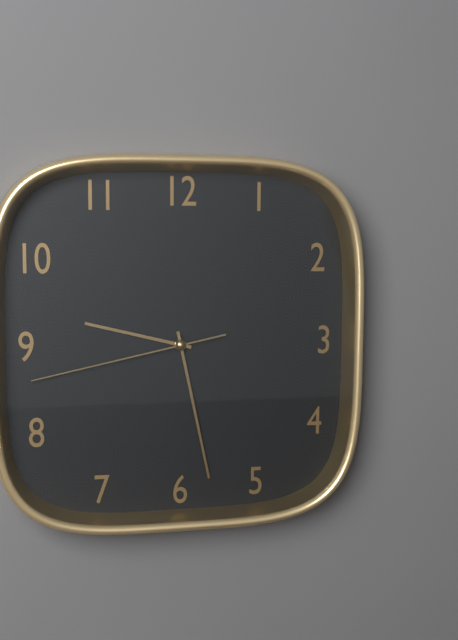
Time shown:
**9:28:43**
